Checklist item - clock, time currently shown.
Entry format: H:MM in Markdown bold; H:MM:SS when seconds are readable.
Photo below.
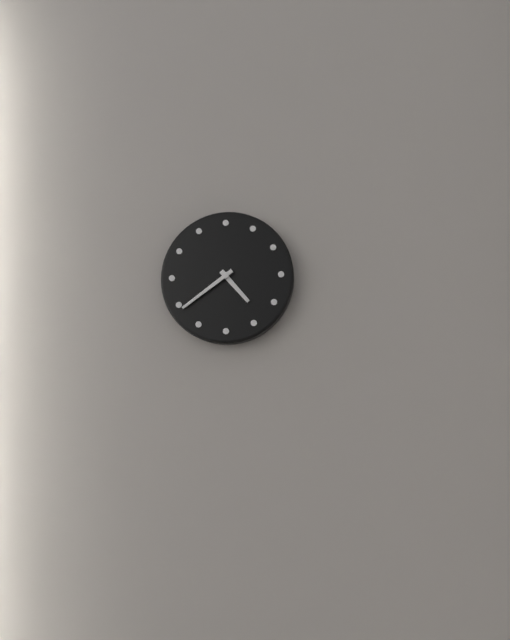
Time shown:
**4:39**
